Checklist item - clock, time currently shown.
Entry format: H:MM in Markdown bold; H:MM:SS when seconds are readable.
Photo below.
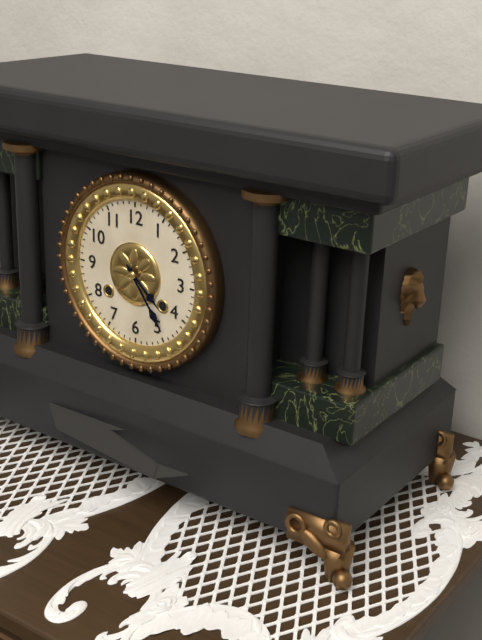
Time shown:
**4:24**
